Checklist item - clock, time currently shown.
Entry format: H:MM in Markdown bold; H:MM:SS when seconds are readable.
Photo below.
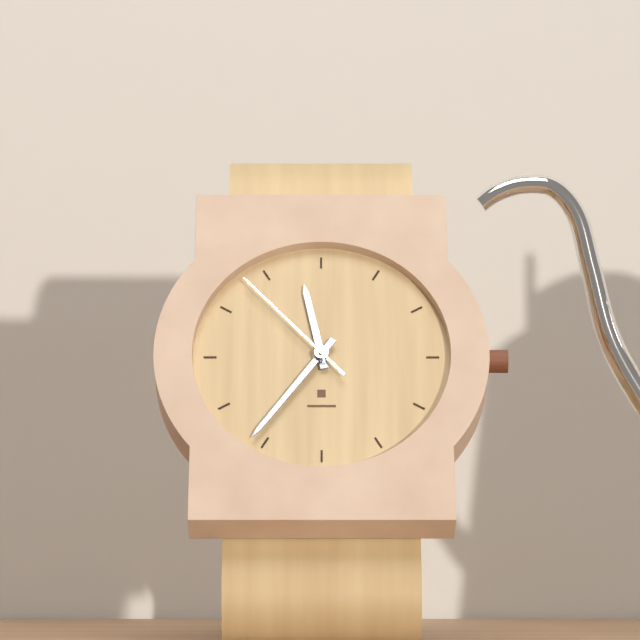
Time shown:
**11:36:53**
